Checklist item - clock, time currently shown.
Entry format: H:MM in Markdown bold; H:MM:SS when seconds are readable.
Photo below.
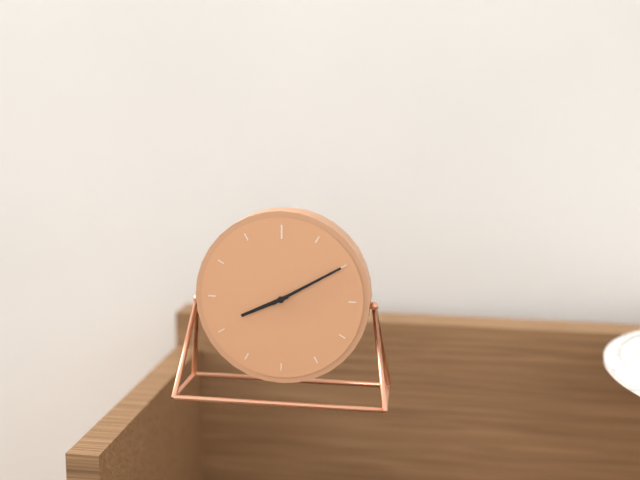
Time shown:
**8:10**
